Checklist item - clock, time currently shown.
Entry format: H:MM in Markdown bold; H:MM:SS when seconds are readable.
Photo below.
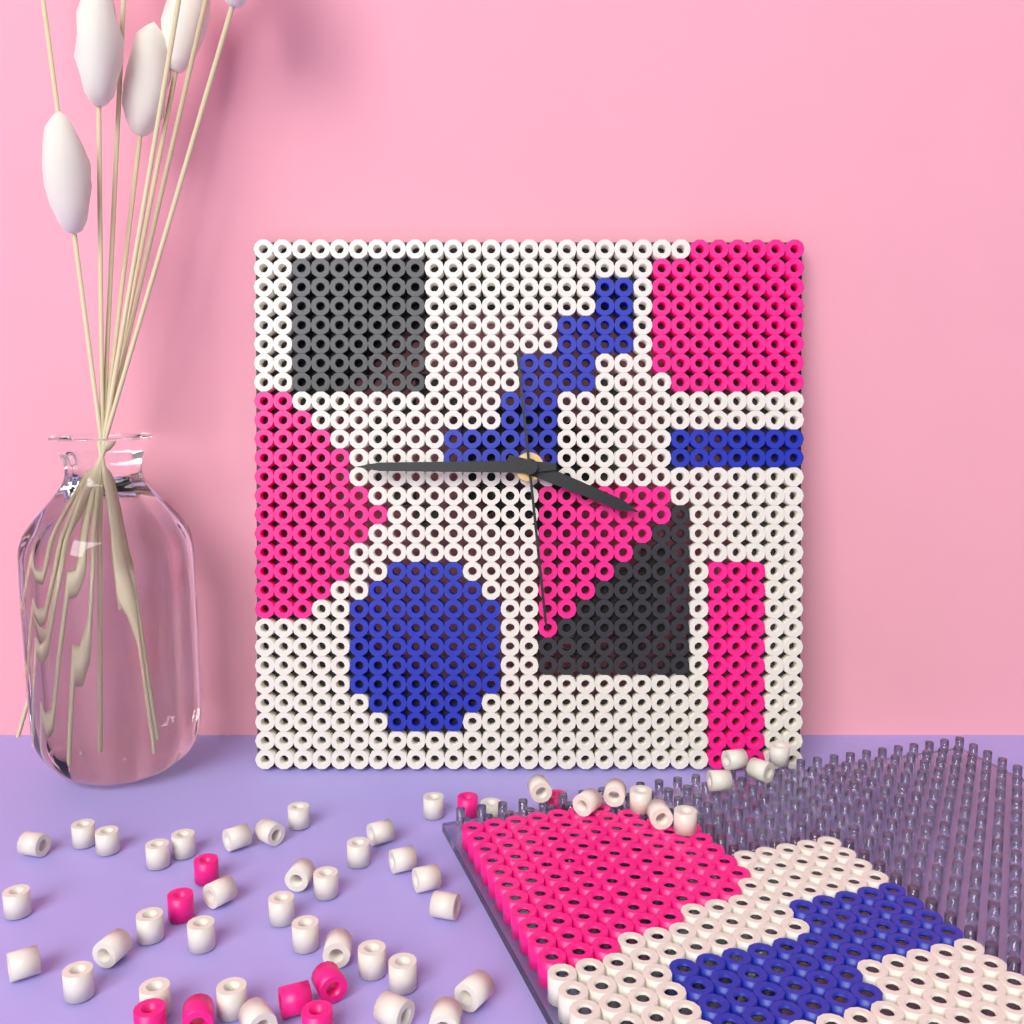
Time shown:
**3:45:29**
